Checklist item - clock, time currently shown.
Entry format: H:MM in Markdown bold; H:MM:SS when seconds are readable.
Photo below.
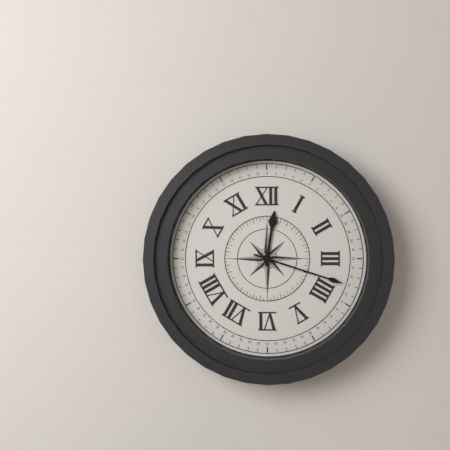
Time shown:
**12:18**
